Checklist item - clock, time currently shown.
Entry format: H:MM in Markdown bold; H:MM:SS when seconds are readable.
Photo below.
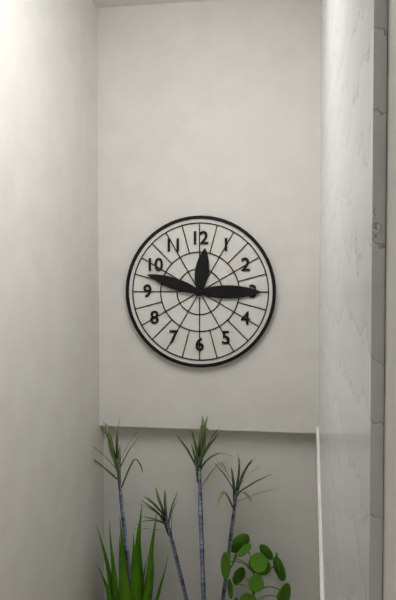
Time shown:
**12:15:48**
